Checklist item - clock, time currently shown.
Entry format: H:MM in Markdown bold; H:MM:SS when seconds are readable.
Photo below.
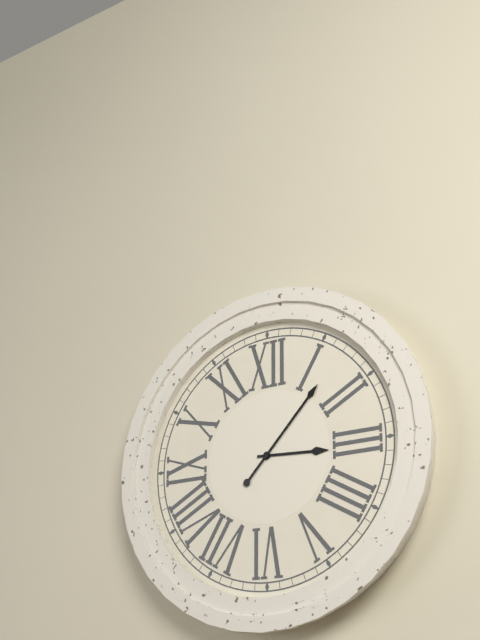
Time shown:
**3:07**
